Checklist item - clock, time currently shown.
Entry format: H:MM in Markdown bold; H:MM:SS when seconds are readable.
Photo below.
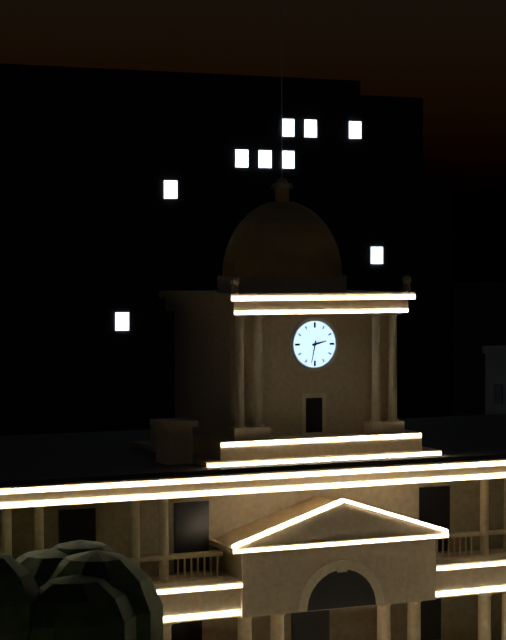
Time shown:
**2:32**
